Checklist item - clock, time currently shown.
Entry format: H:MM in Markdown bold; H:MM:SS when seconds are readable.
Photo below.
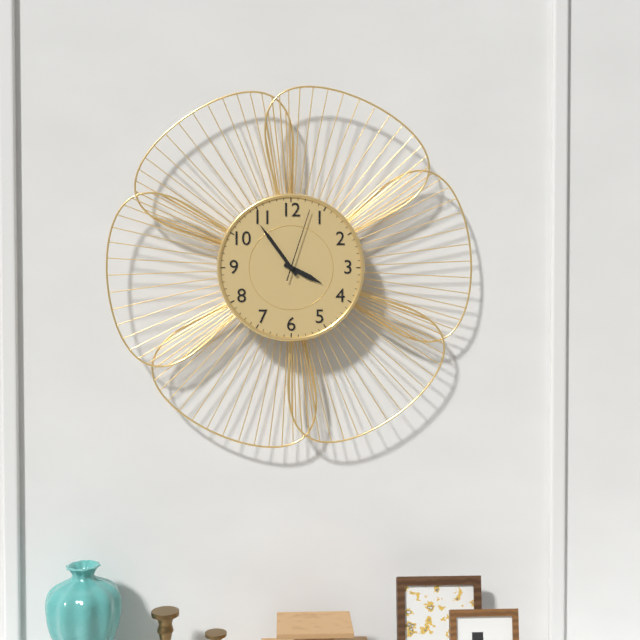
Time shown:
**3:54:03**
